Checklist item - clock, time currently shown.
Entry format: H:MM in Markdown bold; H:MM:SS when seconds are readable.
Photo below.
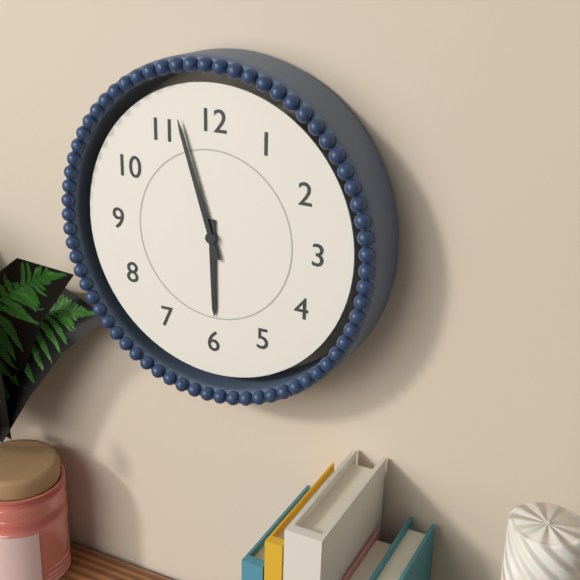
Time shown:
**5:57**
